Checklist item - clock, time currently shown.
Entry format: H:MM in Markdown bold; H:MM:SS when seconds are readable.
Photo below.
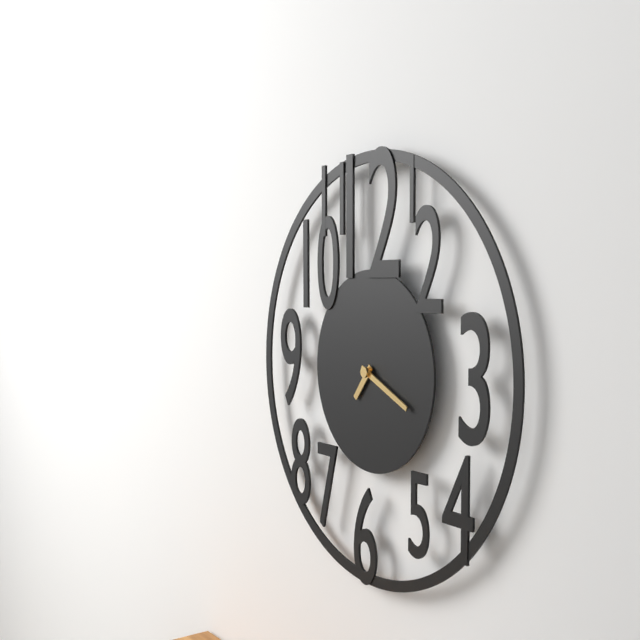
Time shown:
**7:19**
